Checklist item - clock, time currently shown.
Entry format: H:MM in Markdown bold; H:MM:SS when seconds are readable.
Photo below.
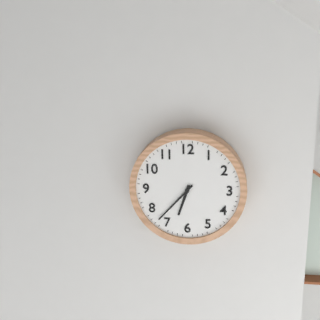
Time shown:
**6:37**
